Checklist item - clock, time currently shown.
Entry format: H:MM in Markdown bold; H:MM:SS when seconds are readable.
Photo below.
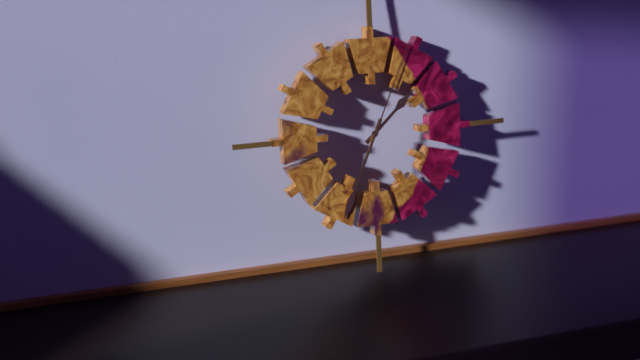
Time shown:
**1:34:04**
